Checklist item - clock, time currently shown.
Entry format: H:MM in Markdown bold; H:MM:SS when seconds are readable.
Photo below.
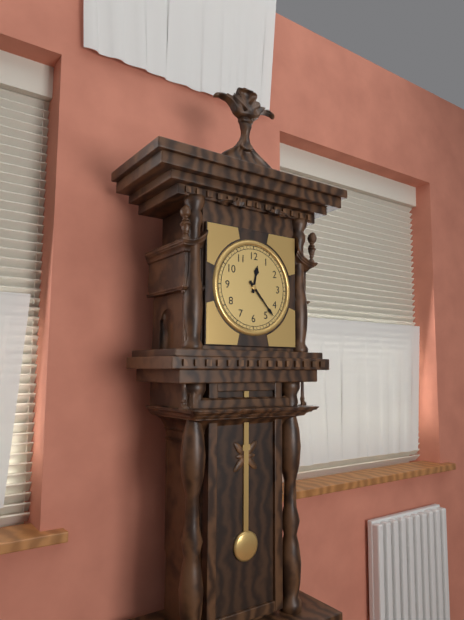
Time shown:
**12:23**
